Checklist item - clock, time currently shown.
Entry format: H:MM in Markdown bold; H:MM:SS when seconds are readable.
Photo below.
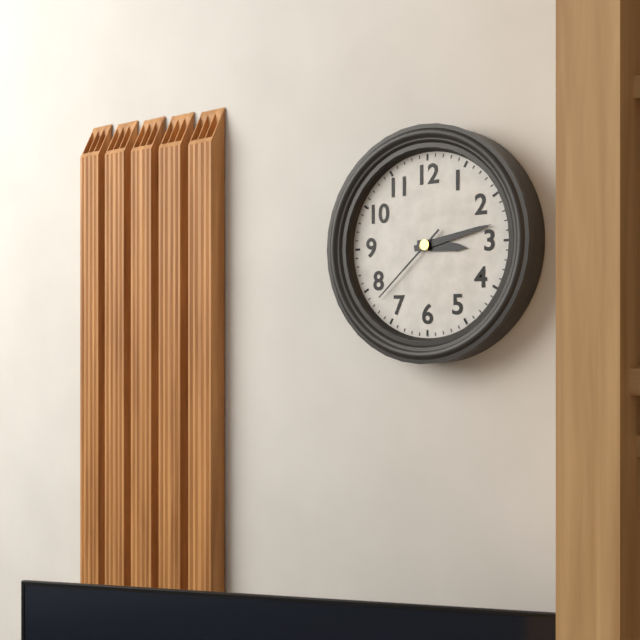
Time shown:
**3:13:38**
